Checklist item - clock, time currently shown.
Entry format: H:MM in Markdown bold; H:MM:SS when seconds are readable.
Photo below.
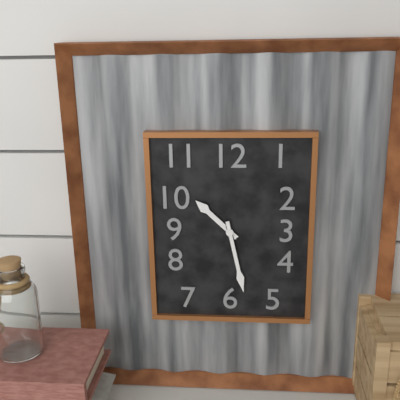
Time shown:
**10:28**
